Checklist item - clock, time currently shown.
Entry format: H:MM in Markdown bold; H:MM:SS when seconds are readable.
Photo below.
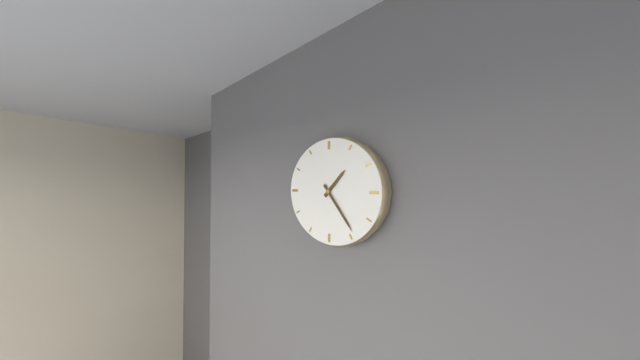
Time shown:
**1:24**
